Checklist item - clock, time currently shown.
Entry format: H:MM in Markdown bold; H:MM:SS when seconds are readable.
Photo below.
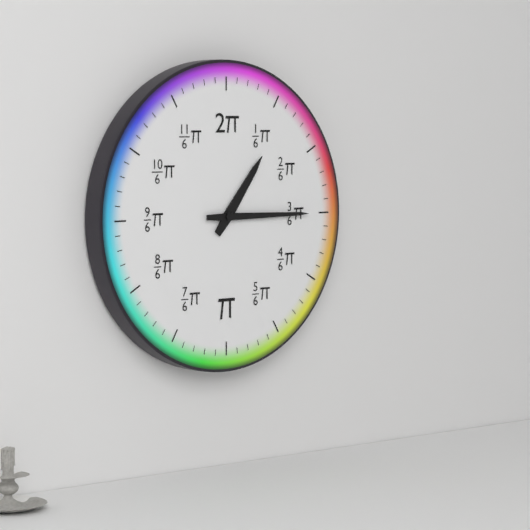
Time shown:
**1:15**
